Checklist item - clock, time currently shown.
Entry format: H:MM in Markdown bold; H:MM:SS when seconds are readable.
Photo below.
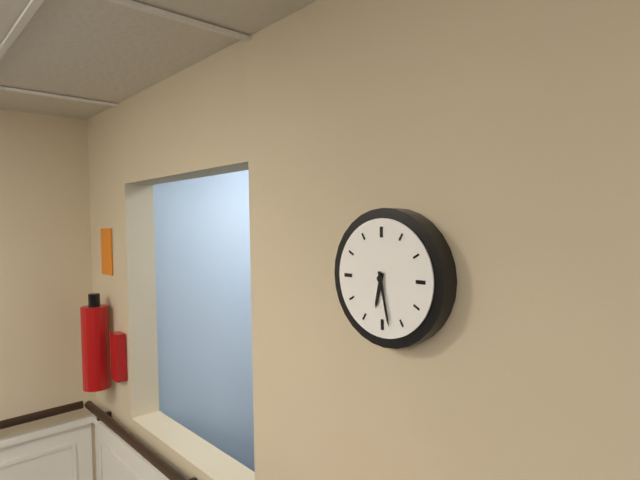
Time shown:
**6:28**
